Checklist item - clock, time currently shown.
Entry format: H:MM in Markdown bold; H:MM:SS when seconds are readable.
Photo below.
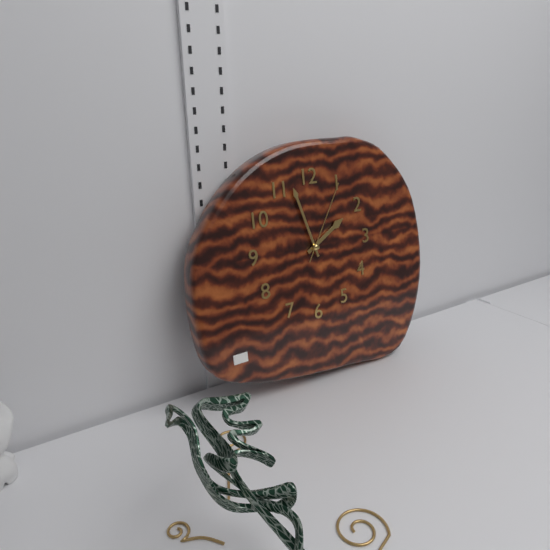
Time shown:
**1:57:05**
